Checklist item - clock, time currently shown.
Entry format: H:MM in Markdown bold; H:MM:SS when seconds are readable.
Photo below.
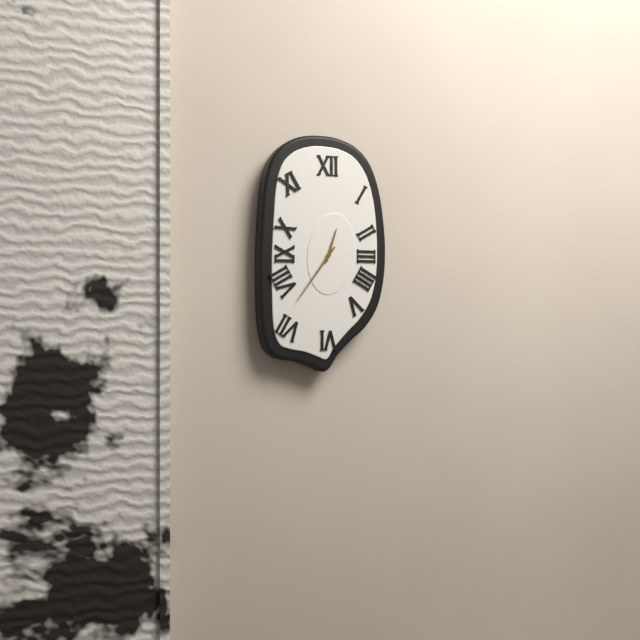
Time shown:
**12:36**
